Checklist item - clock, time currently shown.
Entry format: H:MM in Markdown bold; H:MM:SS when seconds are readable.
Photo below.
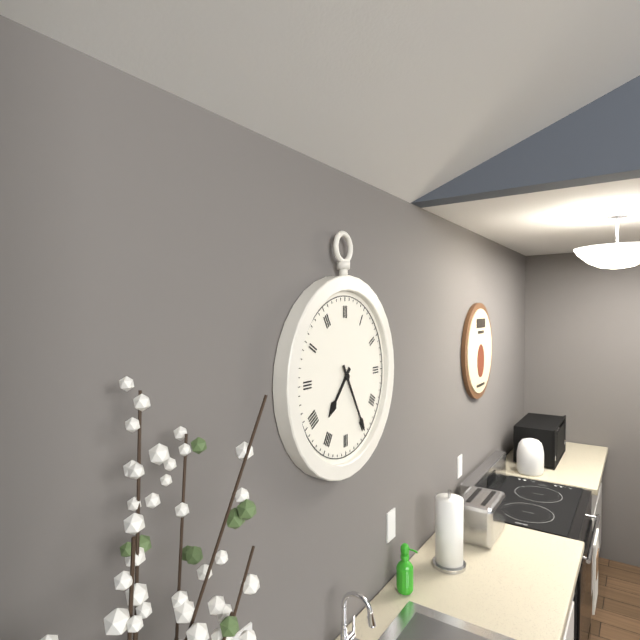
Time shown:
**7:25**
